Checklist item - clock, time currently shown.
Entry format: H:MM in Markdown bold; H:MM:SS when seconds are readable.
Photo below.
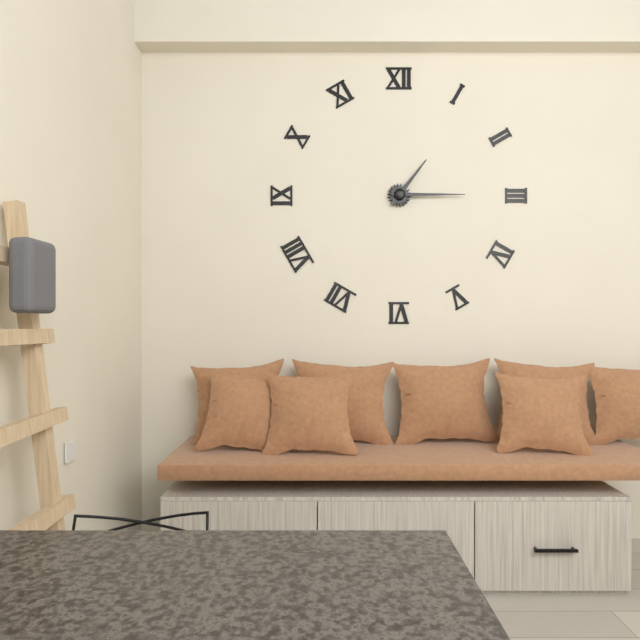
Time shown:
**1:15**
